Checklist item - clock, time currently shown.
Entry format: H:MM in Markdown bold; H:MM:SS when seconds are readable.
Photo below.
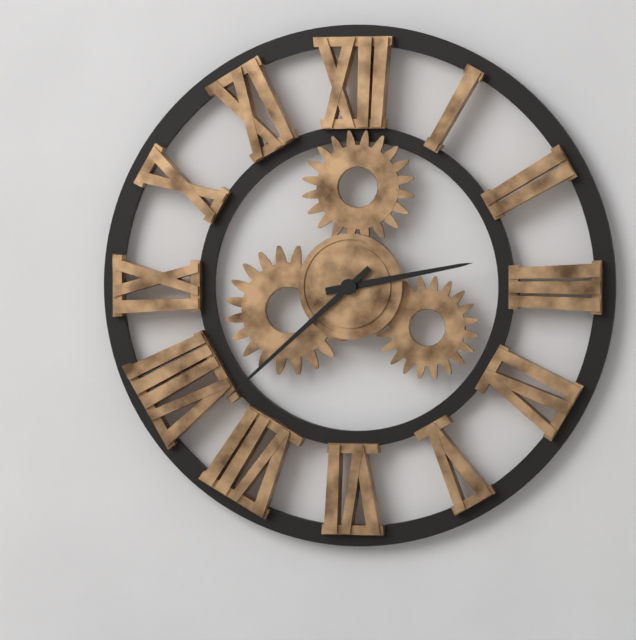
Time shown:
**2:38**
